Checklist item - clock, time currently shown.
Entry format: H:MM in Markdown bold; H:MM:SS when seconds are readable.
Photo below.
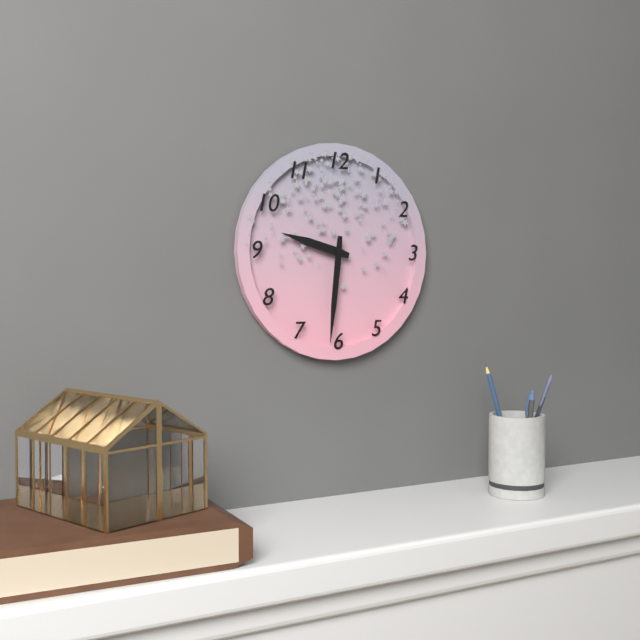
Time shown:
**9:31**
